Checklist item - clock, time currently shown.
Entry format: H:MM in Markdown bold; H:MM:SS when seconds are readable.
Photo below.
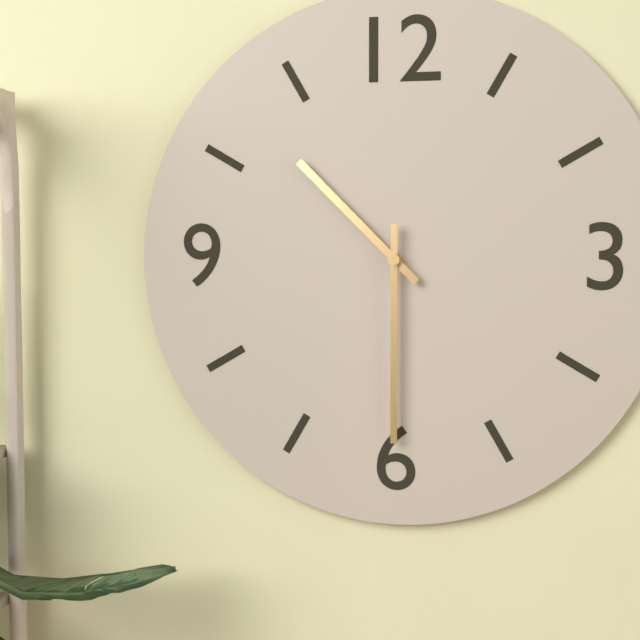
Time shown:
**10:30**
